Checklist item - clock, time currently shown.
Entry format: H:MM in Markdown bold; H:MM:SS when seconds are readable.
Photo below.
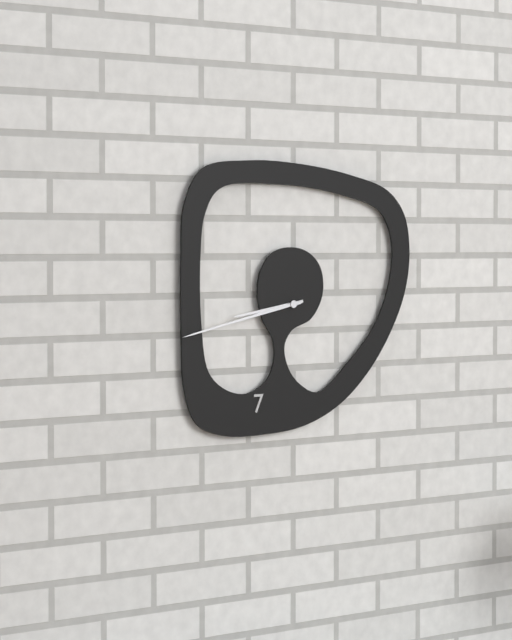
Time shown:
**8:43**
